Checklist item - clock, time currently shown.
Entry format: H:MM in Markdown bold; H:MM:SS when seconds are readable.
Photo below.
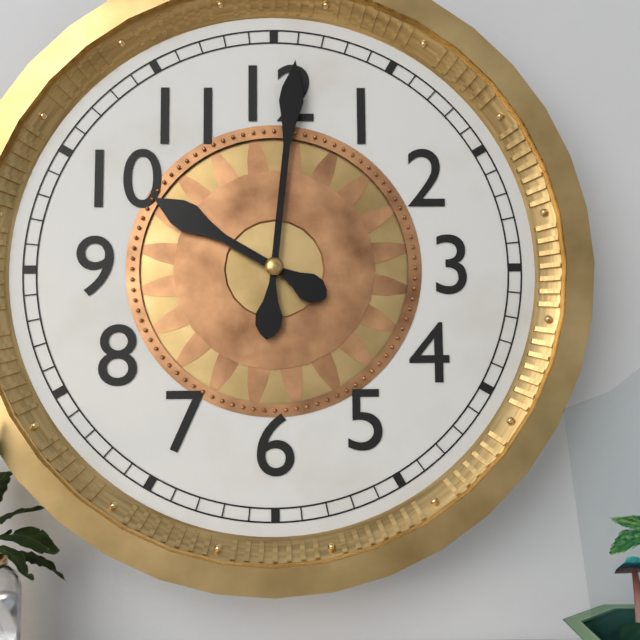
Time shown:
**10:01**
